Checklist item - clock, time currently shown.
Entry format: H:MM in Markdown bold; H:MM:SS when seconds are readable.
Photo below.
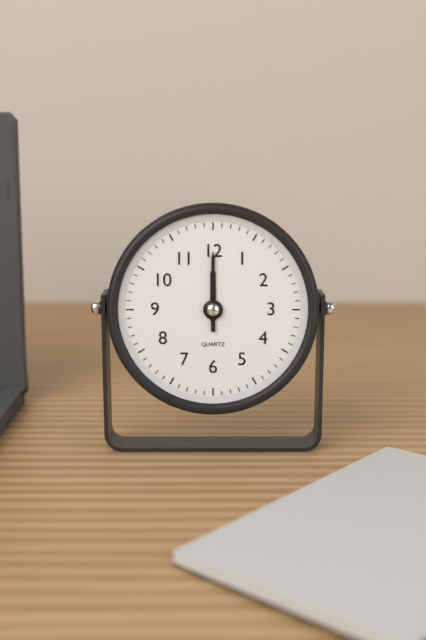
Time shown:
**12:00**
